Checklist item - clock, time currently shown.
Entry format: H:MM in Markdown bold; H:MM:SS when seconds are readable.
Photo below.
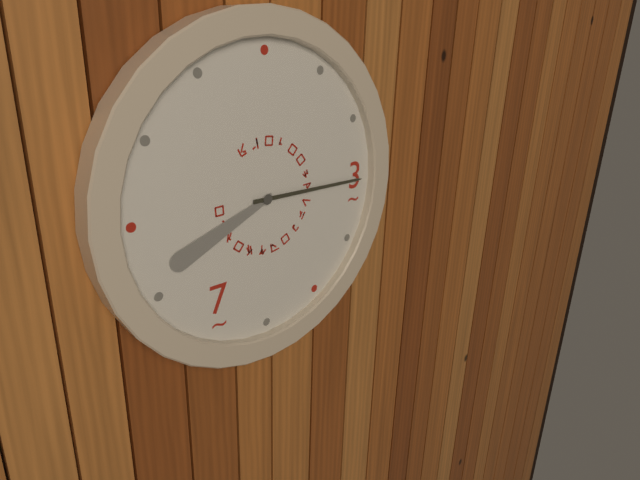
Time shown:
**8:15**
